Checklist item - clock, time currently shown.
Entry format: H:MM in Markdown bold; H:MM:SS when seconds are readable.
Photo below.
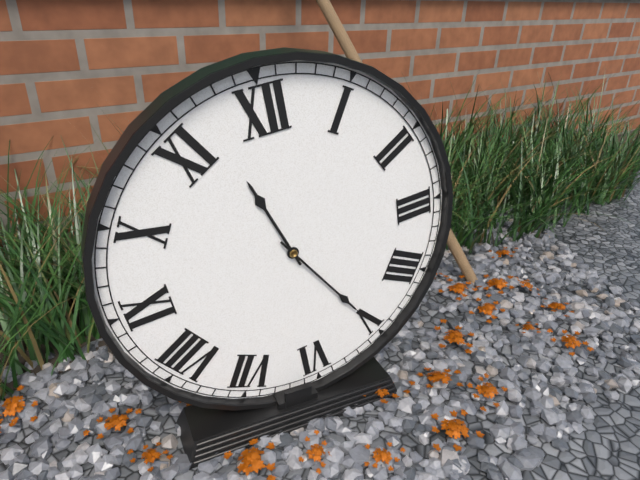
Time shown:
**11:25**
